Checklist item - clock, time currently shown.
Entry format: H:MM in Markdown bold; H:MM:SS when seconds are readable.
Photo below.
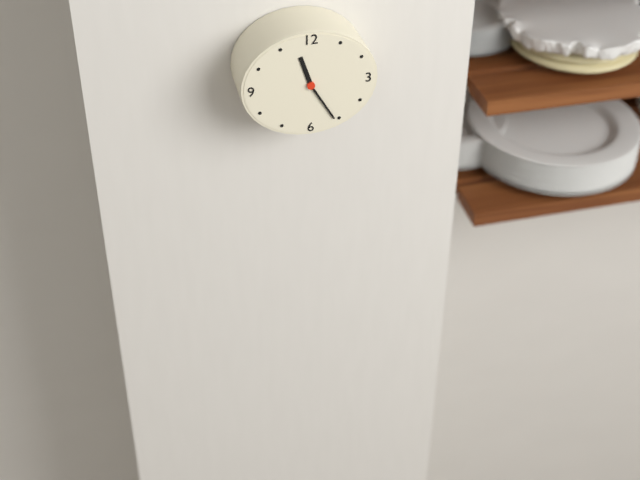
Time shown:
**11:25**
